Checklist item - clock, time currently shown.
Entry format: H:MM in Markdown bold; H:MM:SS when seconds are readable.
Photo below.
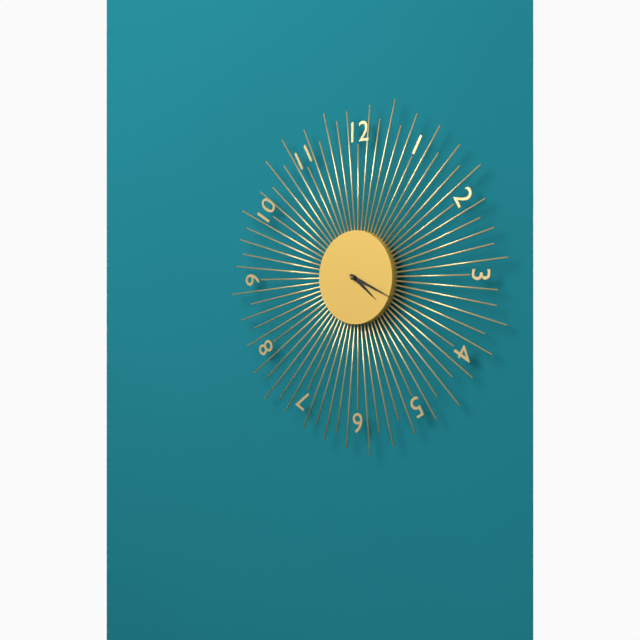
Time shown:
**4:19**
